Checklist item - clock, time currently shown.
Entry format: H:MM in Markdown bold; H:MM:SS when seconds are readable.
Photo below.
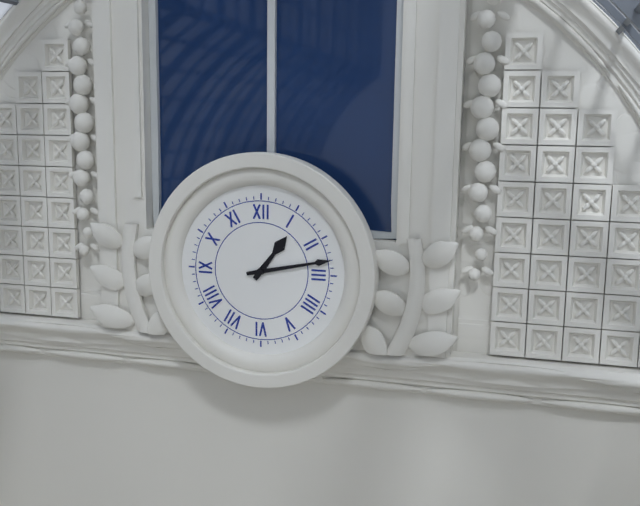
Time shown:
**1:13**
